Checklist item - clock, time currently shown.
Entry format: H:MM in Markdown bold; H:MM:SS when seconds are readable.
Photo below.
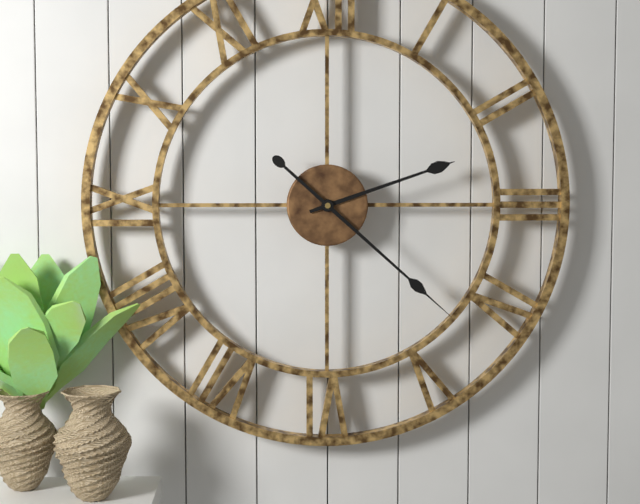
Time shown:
**2:22**
